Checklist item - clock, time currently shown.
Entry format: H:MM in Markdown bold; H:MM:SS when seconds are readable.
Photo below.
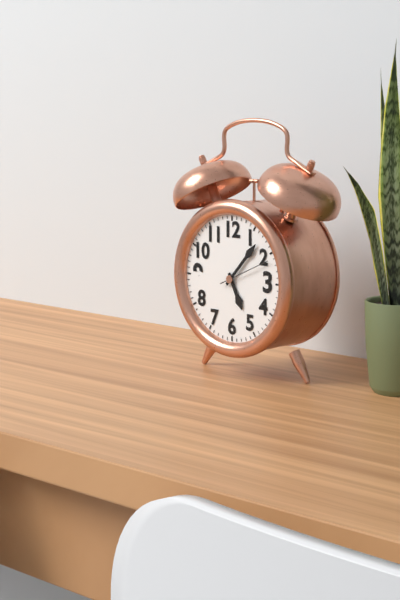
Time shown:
**5:07**
